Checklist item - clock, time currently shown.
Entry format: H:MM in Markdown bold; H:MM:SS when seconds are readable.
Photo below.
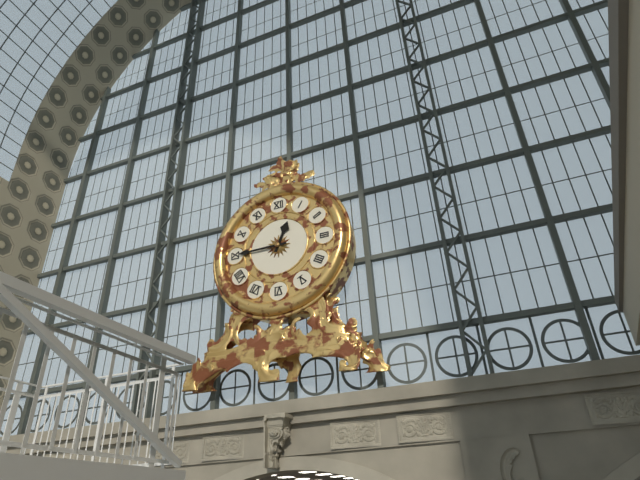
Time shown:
**12:45**
